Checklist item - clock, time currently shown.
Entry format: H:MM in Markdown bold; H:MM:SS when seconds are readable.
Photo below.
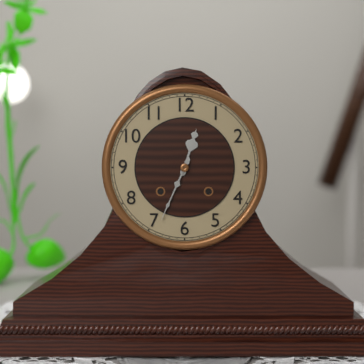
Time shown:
**12:34**
